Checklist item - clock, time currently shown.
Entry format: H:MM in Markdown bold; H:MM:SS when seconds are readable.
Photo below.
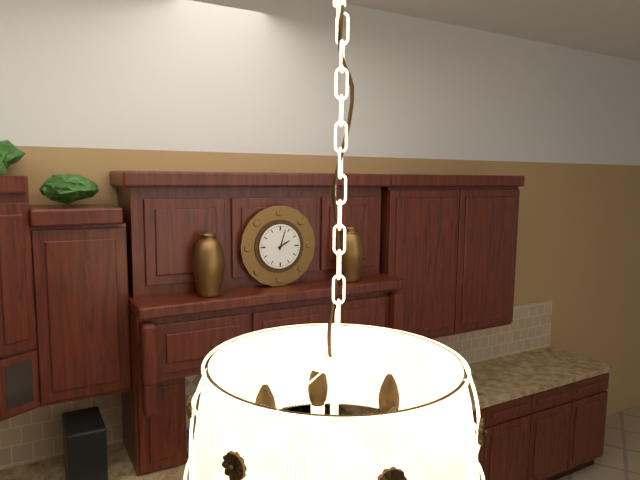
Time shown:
**2:03**
